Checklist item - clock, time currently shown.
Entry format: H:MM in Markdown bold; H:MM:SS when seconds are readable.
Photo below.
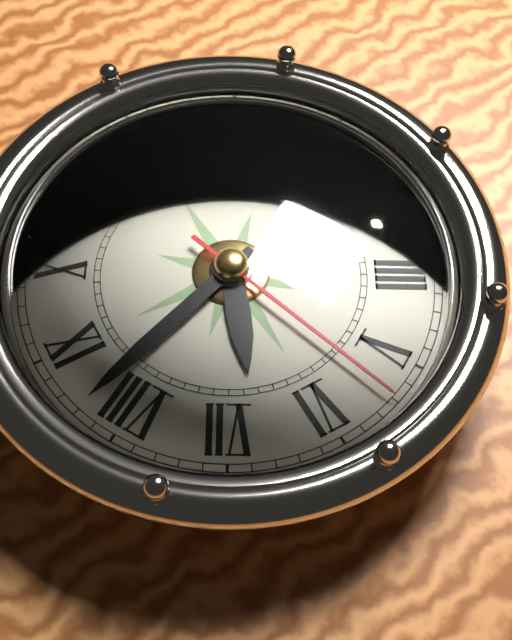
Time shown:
**6:42:27**
